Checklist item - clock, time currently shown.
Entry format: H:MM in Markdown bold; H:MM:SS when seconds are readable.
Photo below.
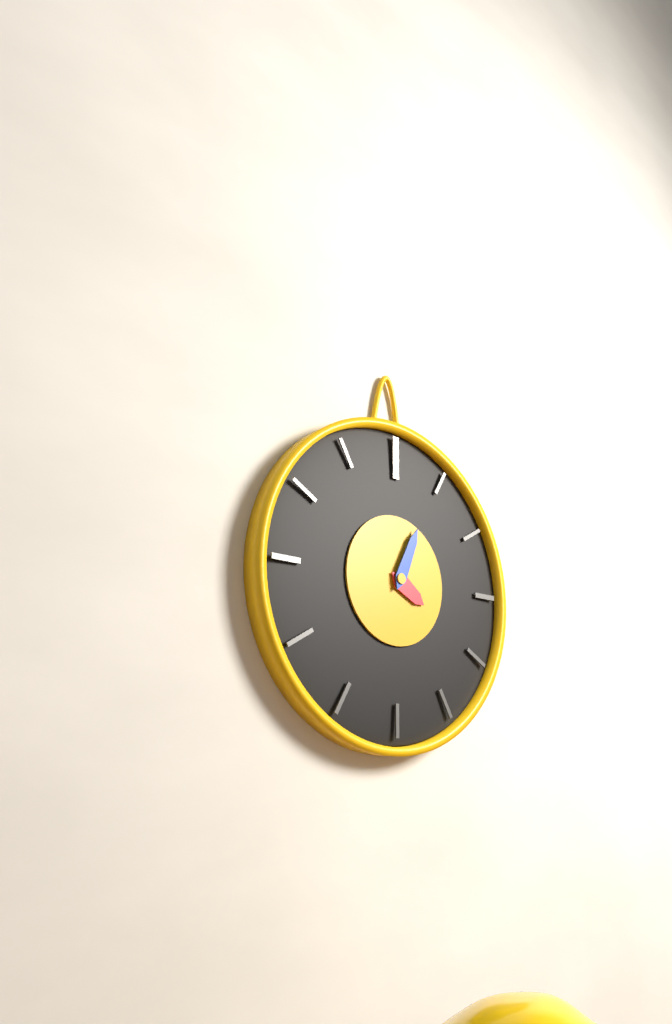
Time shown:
**4:04**
